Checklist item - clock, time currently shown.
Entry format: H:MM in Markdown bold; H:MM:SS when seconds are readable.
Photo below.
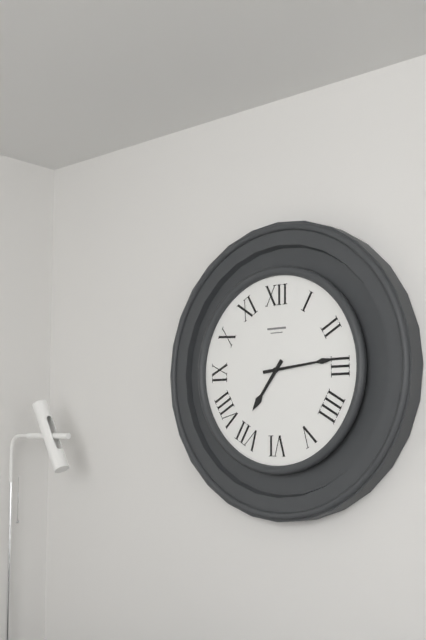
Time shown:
**7:14**
